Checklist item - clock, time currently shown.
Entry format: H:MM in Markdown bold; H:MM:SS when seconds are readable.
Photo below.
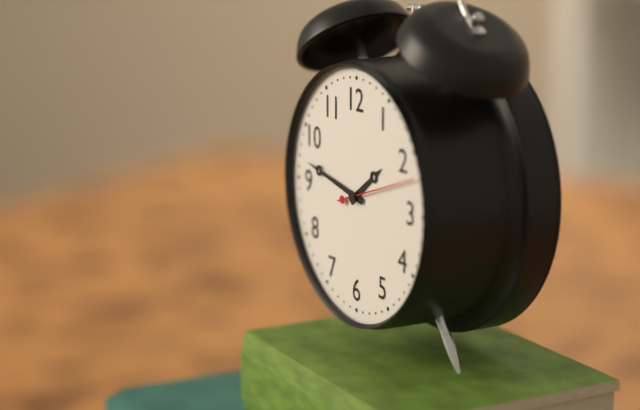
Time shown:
**1:47:12**
